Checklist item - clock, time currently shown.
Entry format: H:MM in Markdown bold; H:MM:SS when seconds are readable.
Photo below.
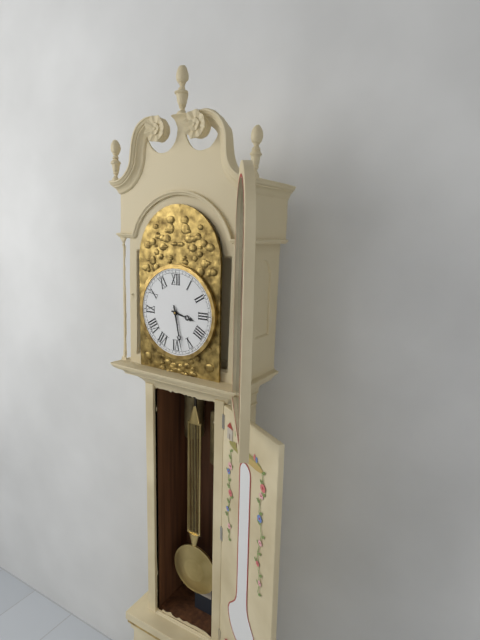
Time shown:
**3:28**
